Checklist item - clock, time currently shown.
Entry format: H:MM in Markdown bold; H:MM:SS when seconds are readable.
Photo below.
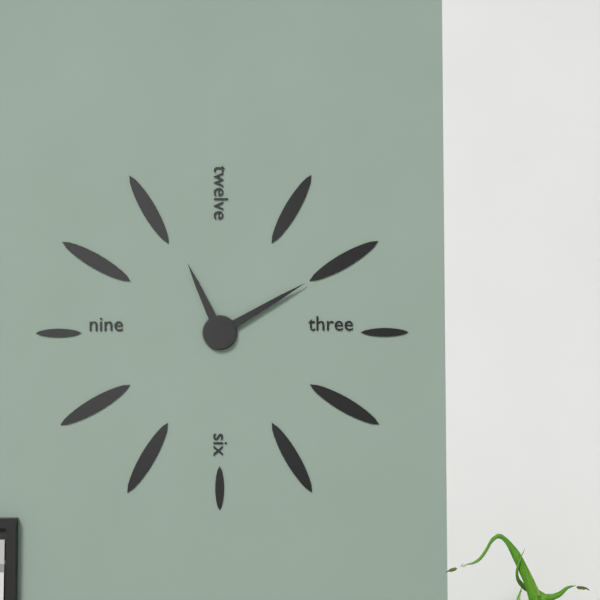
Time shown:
**11:10**
